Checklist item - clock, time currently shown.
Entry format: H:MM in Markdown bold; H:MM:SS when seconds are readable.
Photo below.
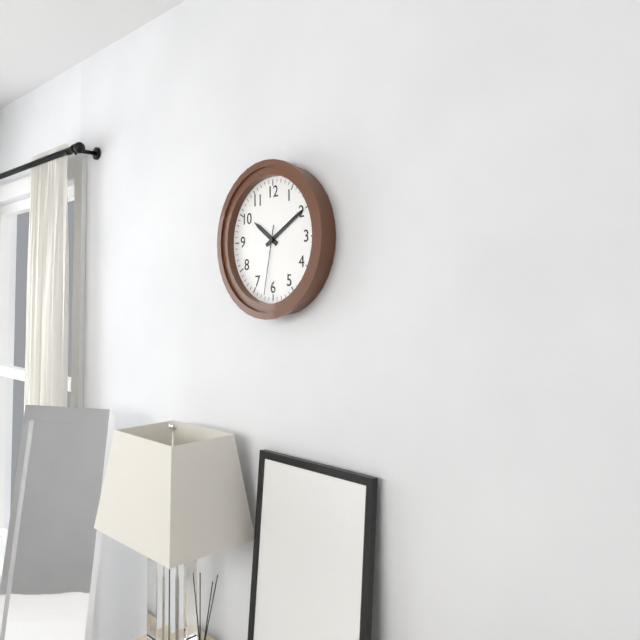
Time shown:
**10:10:32**
